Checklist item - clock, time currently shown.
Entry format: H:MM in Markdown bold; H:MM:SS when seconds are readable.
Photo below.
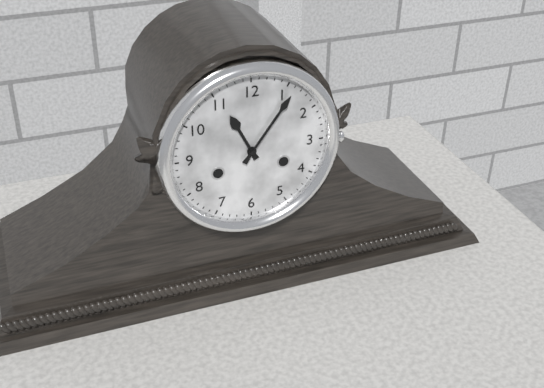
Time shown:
**11:06**
